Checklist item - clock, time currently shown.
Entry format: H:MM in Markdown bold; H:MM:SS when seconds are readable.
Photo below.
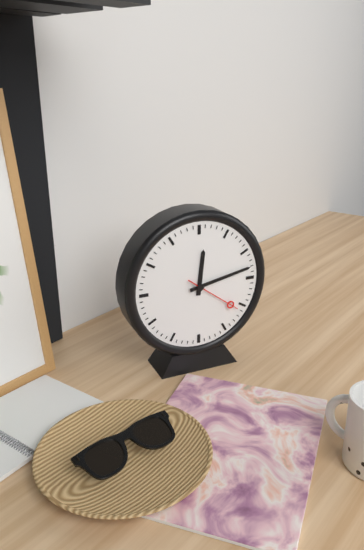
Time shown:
**12:13:21**
